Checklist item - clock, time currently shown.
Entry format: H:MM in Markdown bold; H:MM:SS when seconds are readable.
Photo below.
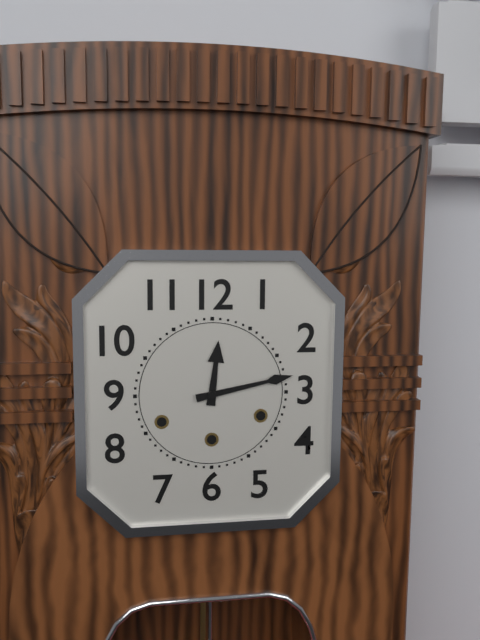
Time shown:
**12:13**
